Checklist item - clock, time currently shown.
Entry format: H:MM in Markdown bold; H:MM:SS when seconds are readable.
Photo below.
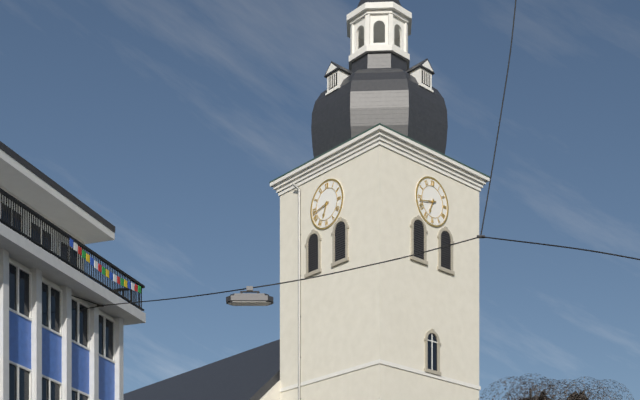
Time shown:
**6:43**
